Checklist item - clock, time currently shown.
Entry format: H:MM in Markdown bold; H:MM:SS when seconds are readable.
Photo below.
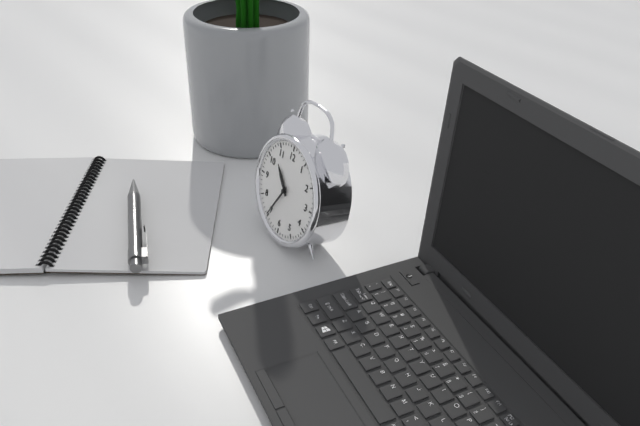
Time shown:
**10:35**
